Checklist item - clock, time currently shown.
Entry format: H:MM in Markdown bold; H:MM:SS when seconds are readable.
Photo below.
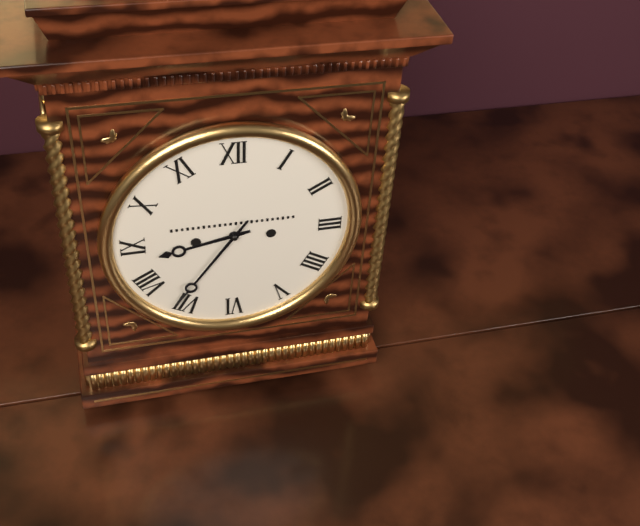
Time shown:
**8:36**
